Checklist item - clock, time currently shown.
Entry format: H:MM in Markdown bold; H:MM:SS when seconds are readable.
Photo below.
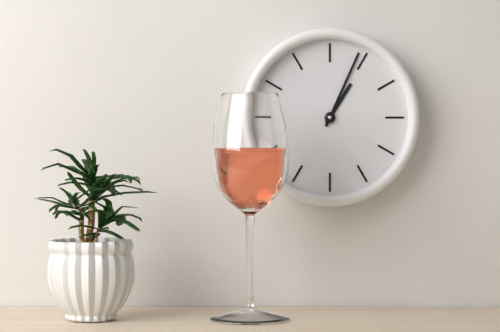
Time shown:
**1:04**
